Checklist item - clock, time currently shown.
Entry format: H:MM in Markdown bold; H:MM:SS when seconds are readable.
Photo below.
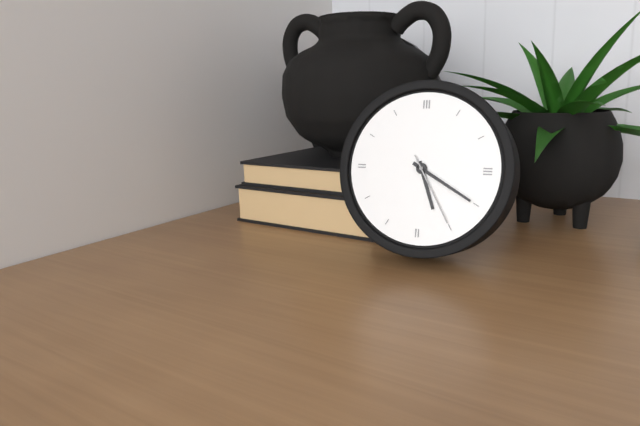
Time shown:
**5:20:25**
